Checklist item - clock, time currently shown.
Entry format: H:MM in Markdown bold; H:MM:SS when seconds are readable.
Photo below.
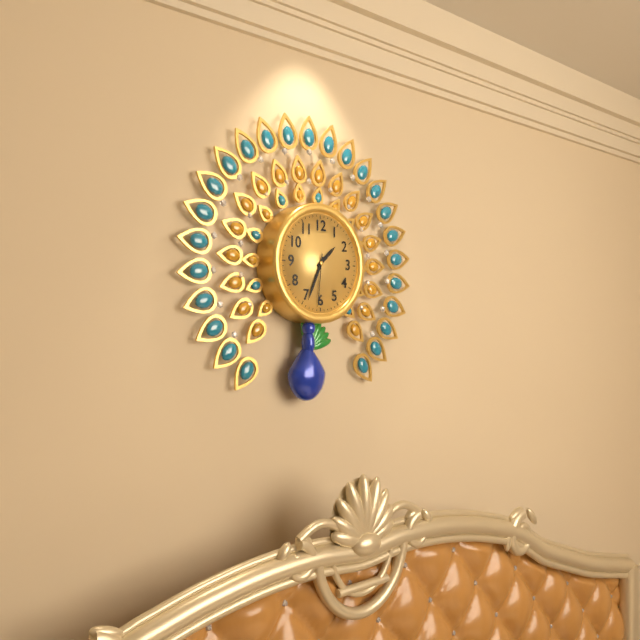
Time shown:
**1:34:31**
